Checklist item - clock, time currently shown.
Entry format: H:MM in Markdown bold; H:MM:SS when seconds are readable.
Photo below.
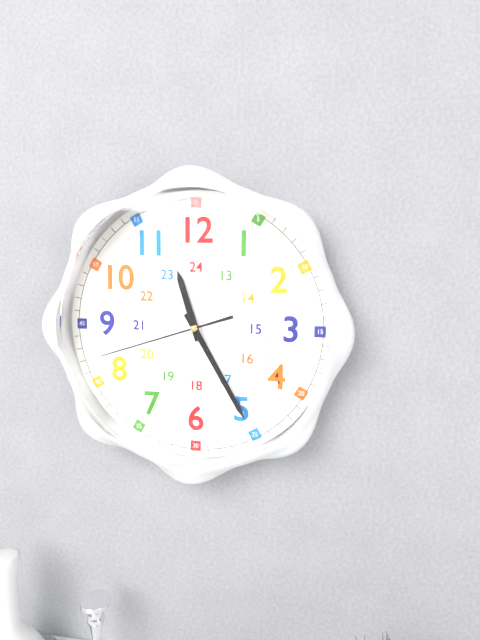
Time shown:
**11:25:42**
